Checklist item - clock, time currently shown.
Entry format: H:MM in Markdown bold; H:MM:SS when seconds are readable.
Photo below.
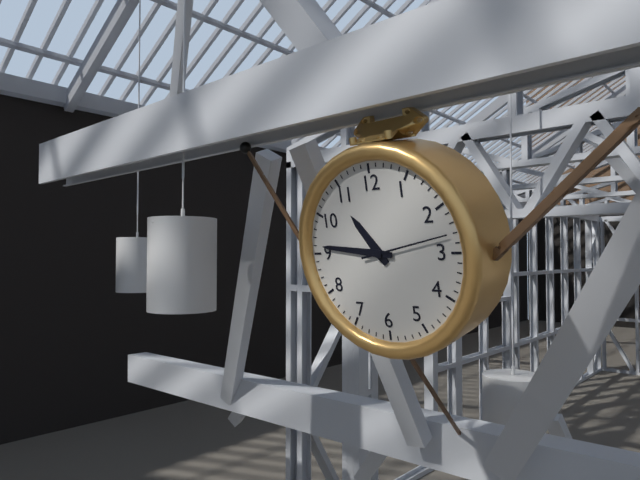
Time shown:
**10:46:13**
